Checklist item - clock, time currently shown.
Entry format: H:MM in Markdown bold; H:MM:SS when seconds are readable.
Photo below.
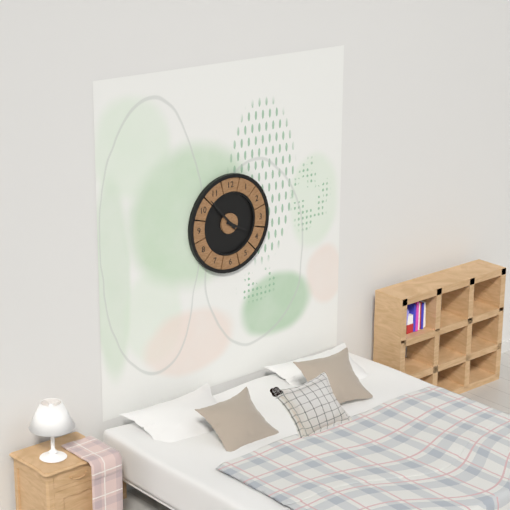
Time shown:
**3:53**
